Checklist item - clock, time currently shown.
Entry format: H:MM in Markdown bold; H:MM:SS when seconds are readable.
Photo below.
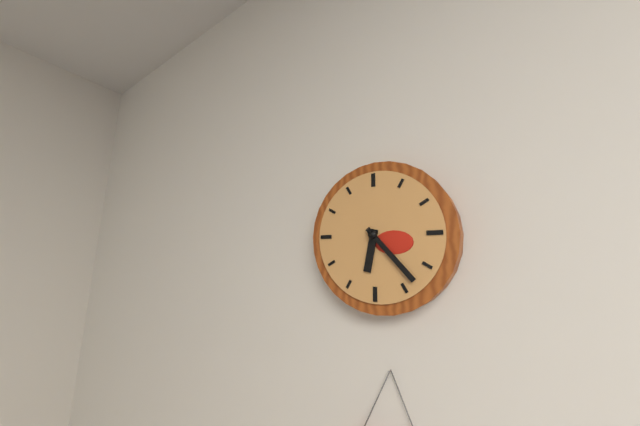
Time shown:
**6:23**
